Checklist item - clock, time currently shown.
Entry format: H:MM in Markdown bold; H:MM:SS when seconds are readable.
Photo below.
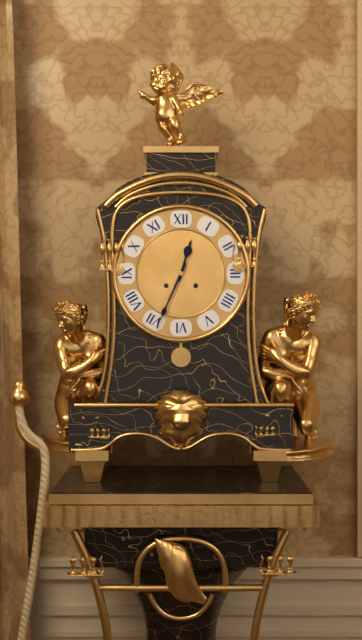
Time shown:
**12:34**
